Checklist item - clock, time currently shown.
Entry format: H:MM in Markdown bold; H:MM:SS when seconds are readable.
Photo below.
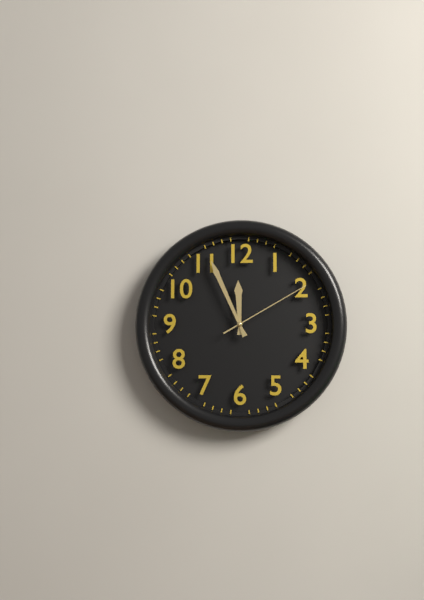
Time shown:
**11:56:10**
